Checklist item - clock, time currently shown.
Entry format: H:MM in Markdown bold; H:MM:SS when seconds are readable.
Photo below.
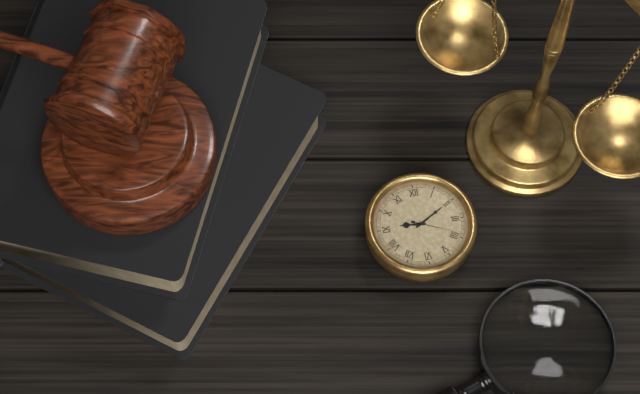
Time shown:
**9:10**
